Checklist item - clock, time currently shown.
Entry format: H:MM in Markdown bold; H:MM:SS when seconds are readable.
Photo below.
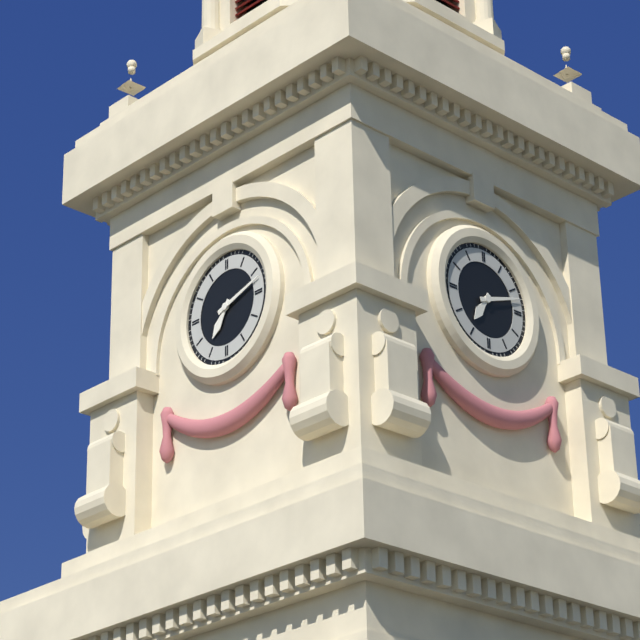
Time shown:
**7:12**
